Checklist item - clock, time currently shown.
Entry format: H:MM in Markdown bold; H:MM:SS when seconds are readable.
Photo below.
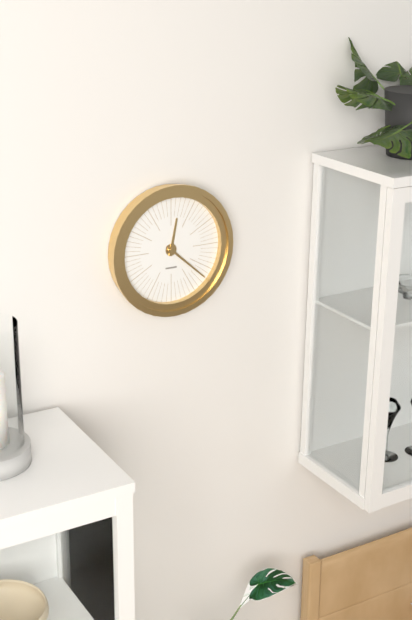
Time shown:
**12:22**
